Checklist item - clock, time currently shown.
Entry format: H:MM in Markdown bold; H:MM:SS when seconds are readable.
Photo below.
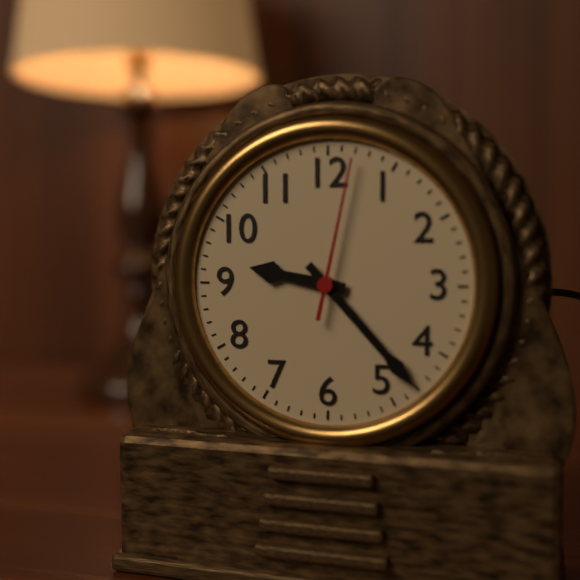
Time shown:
**9:23:02**
